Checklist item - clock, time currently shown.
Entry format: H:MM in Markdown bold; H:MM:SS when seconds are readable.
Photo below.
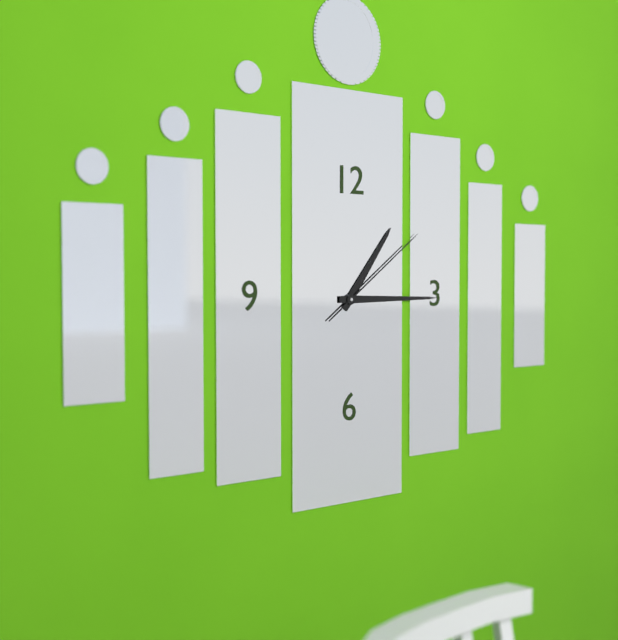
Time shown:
**1:15:09**
